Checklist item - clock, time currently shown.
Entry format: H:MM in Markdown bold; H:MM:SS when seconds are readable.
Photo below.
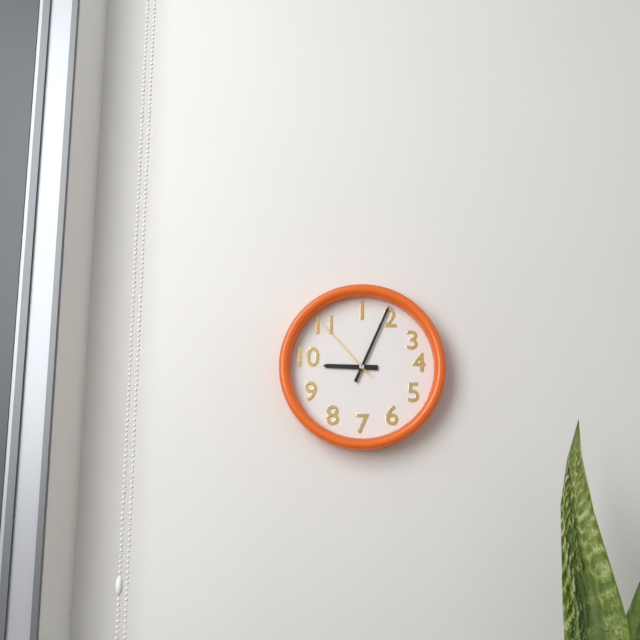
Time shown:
**9:04:53**
